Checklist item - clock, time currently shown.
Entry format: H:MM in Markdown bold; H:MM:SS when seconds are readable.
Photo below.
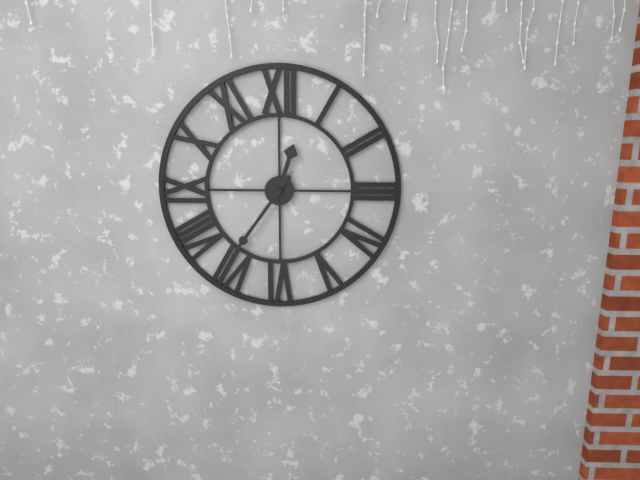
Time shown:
**12:36**
